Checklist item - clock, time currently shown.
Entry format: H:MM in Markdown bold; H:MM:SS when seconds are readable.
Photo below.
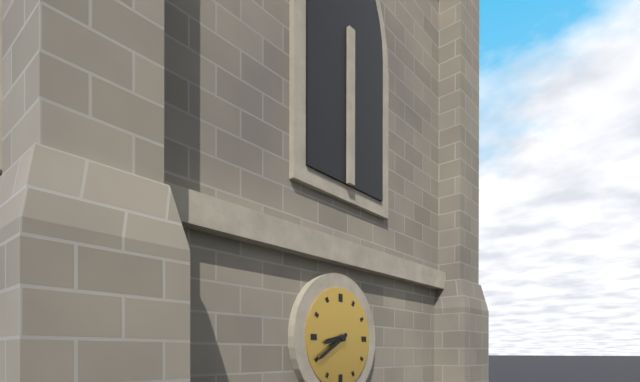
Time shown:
**8:40**
